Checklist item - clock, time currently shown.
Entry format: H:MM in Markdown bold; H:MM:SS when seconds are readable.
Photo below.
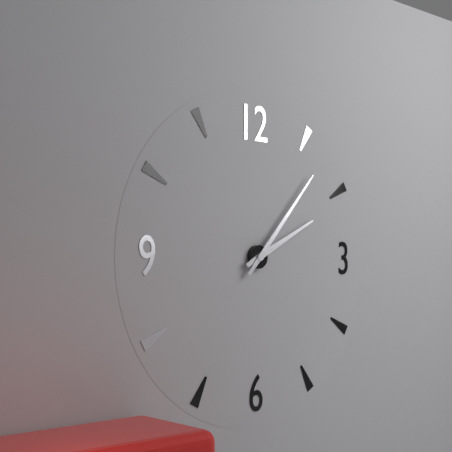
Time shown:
**2:07**
